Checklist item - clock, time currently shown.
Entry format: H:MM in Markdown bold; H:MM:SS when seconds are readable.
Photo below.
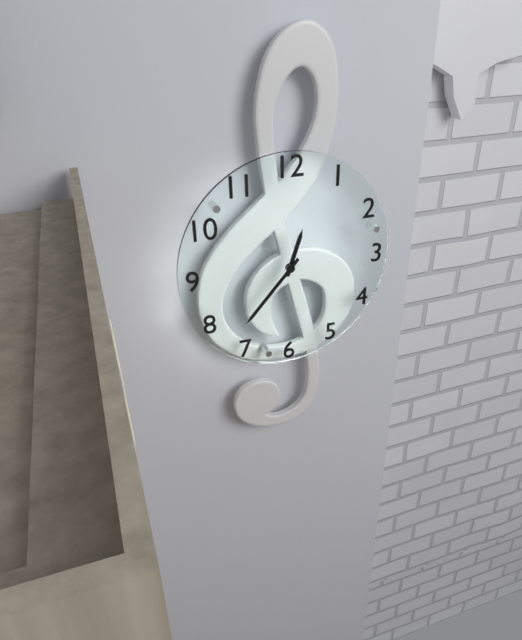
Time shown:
**12:37**
